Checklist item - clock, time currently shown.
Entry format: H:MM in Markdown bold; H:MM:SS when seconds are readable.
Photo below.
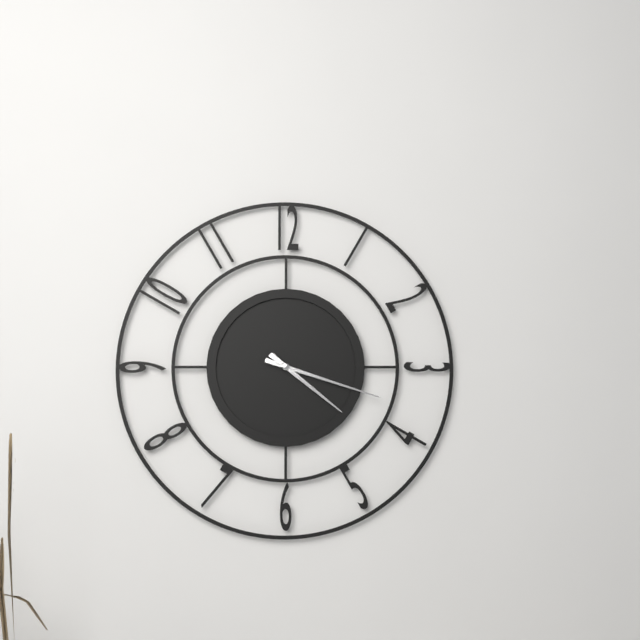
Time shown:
**4:18**
